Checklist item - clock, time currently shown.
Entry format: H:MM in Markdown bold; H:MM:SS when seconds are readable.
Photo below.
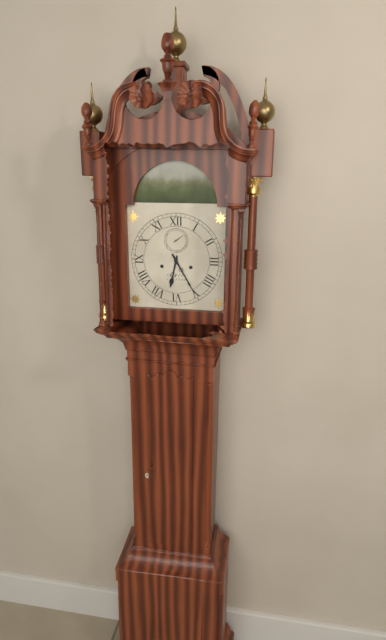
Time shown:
**6:25**
